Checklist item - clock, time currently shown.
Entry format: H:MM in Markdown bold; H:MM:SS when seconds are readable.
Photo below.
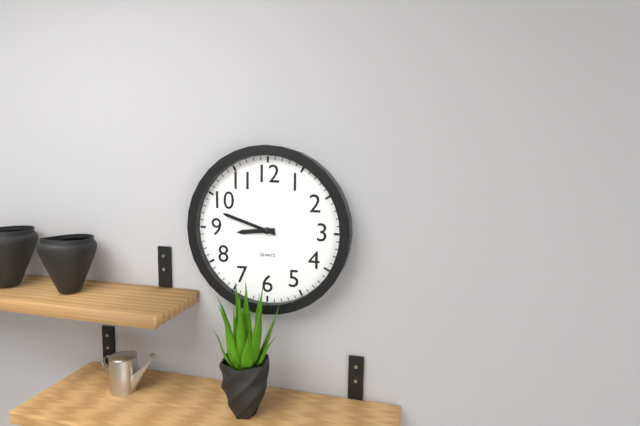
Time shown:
**8:48**
